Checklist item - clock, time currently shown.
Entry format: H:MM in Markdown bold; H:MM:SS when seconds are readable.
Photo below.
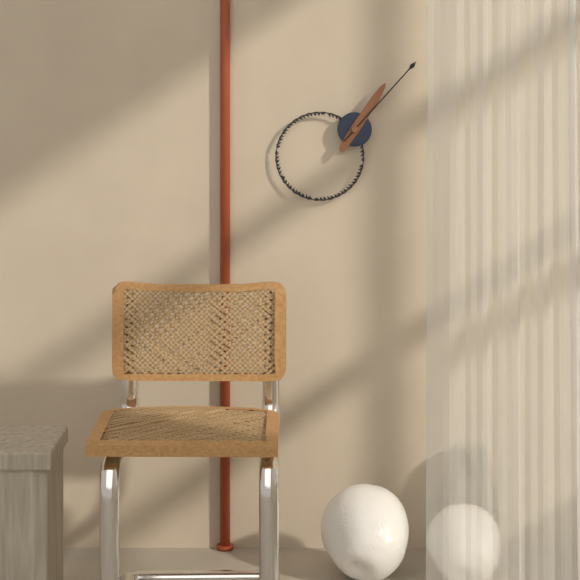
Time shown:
**1:07**
